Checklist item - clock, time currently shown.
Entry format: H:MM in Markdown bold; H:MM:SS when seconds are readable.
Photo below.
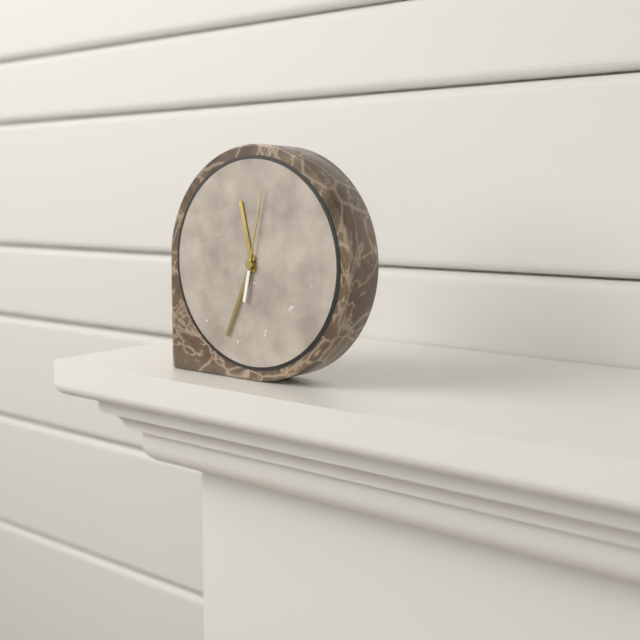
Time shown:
**11:34:02**
